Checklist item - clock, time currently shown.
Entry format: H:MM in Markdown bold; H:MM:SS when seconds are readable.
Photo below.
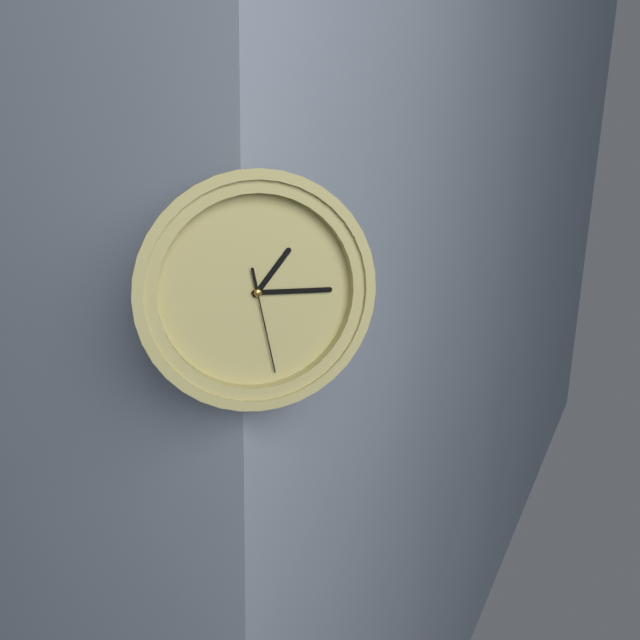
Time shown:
**1:15:28**
